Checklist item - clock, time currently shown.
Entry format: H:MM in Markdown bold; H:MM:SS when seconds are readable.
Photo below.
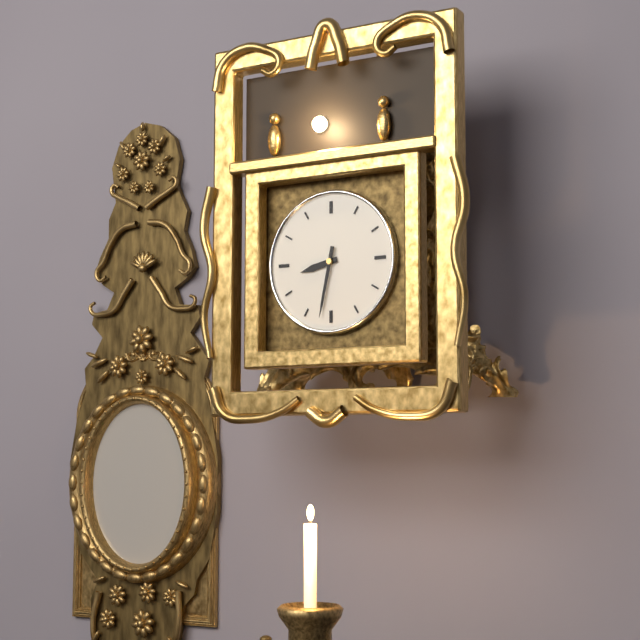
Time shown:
**8:32**
